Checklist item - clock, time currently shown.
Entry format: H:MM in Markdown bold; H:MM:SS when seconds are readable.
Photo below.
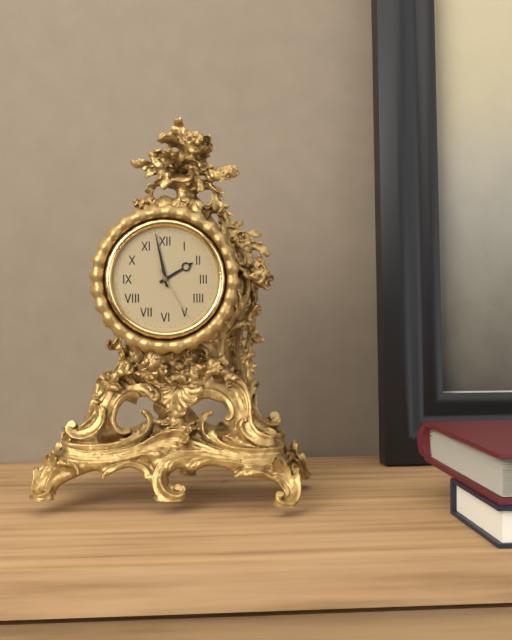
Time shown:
**1:58:25**
